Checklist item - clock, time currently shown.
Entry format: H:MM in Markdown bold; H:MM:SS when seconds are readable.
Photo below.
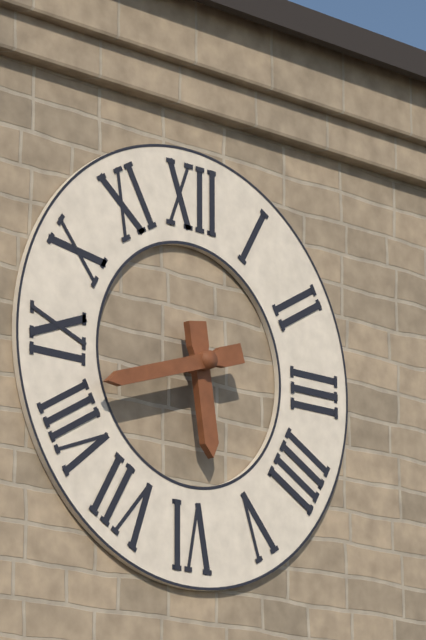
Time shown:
**5:42**
